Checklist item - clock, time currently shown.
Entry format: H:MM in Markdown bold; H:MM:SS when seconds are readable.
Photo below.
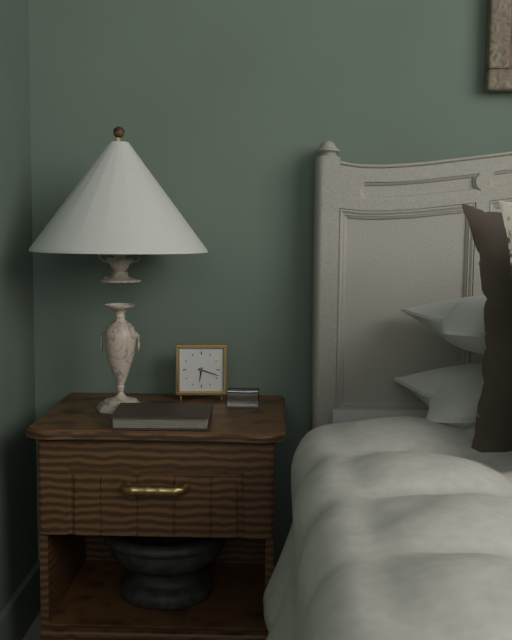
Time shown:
**6:18**
